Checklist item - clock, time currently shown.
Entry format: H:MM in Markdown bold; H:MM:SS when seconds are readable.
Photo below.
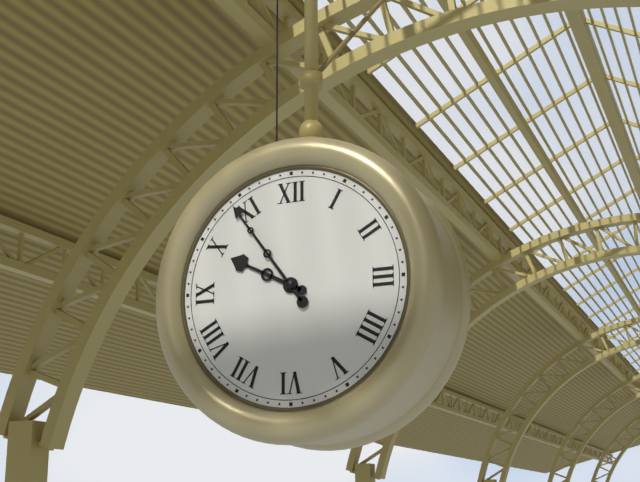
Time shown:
**9:54**
